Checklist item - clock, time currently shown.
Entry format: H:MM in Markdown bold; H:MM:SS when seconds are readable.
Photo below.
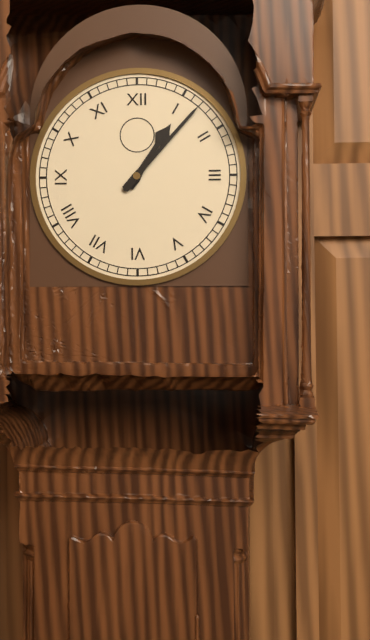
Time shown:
**1:07**
